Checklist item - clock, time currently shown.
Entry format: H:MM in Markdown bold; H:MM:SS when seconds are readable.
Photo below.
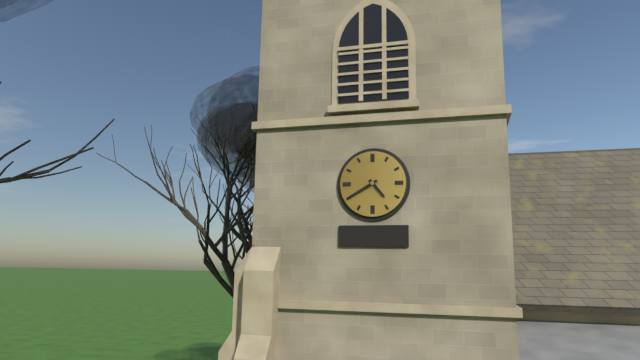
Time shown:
**4:40**
